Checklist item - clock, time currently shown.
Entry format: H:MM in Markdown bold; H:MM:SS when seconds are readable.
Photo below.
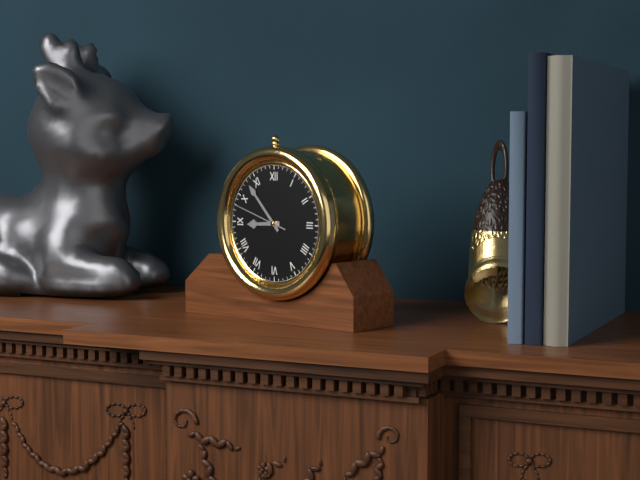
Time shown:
**8:53:48**
